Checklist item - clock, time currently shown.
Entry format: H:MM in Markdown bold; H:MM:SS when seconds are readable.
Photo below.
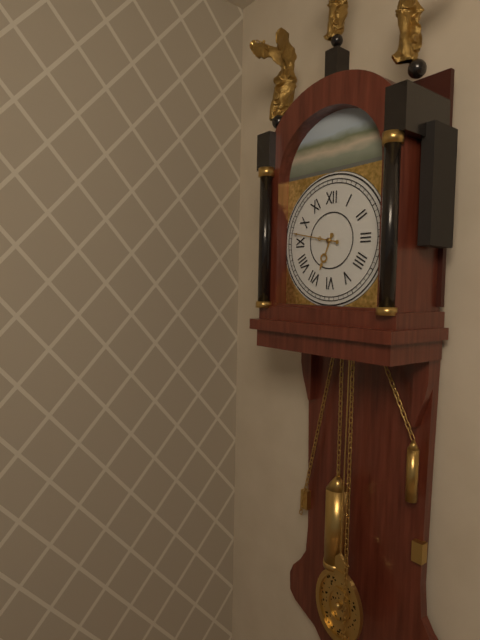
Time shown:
**6:47**
